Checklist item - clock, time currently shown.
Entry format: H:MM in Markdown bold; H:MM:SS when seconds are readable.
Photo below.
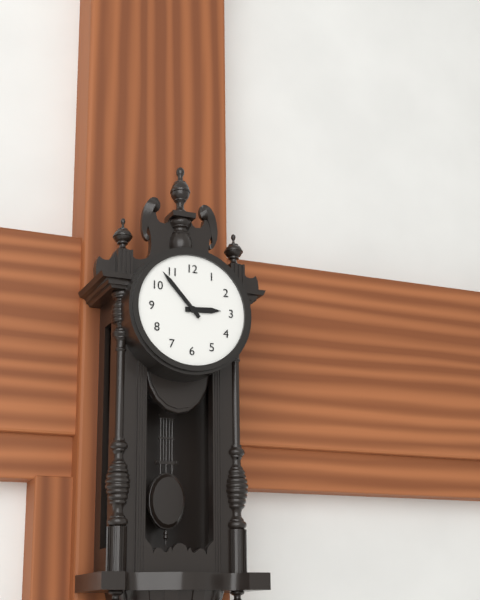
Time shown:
**2:53**
